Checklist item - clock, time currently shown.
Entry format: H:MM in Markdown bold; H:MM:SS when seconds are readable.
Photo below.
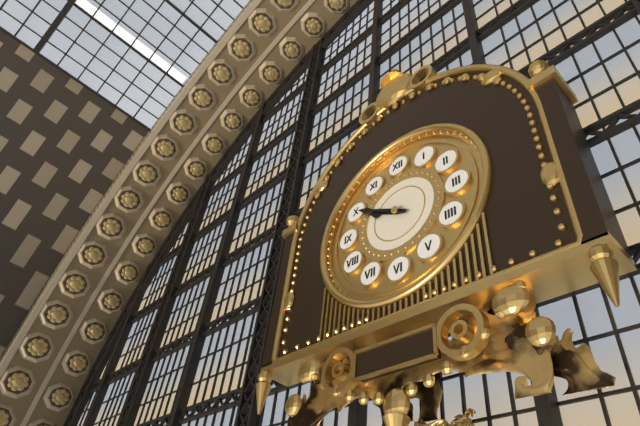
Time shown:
**9:50**
